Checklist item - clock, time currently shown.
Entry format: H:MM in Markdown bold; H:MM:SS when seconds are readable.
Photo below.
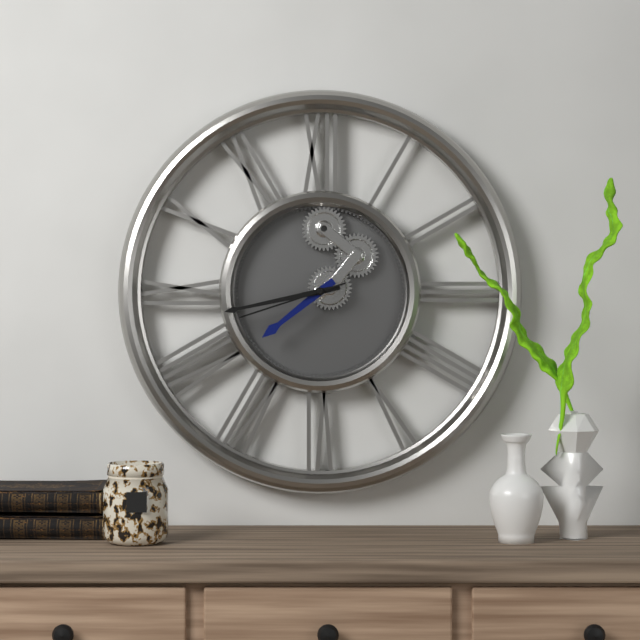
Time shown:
**7:43:42**
